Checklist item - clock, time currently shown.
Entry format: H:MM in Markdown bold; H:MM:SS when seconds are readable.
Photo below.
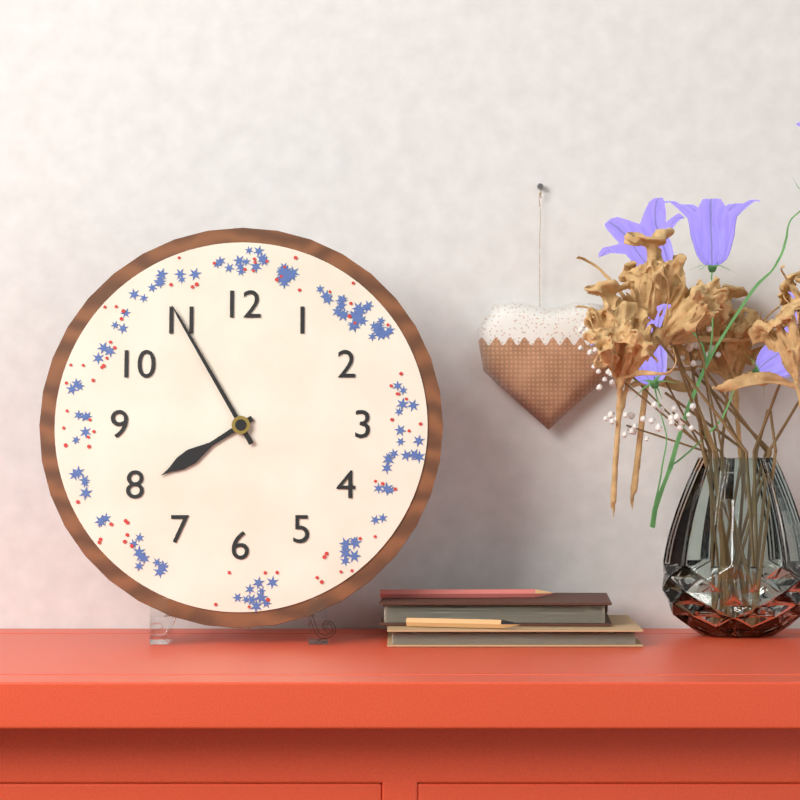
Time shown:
**7:55**
